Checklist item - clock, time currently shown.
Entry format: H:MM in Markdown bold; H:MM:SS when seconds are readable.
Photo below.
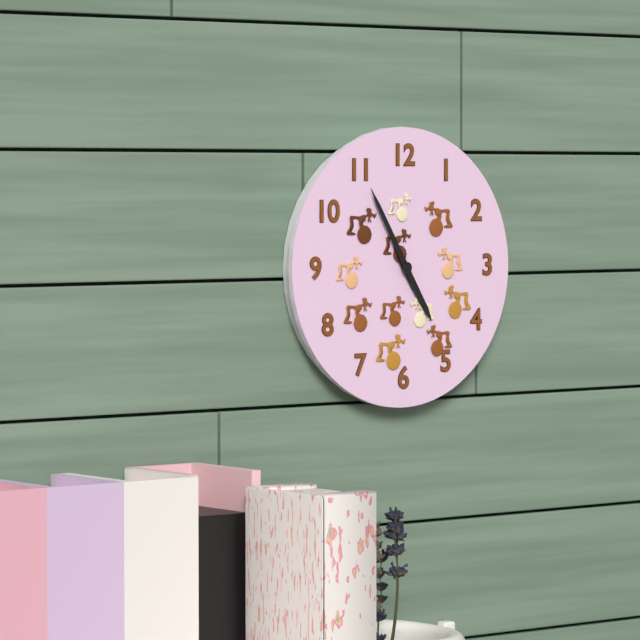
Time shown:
**4:55**
